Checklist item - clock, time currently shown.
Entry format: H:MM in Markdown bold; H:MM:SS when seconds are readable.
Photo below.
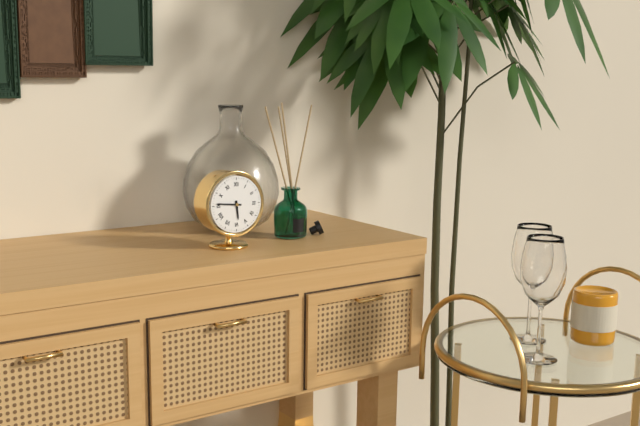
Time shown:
**5:46**
